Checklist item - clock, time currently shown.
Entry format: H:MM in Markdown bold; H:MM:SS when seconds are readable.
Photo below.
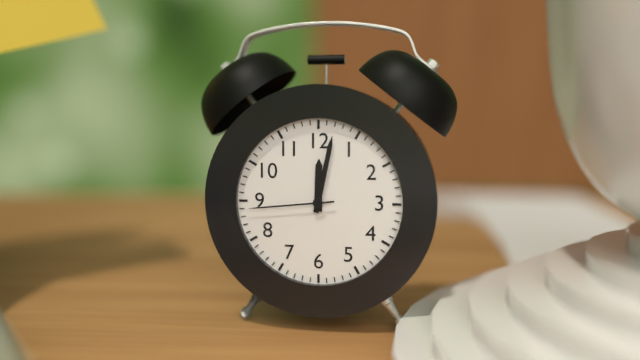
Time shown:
**12:02:44**
